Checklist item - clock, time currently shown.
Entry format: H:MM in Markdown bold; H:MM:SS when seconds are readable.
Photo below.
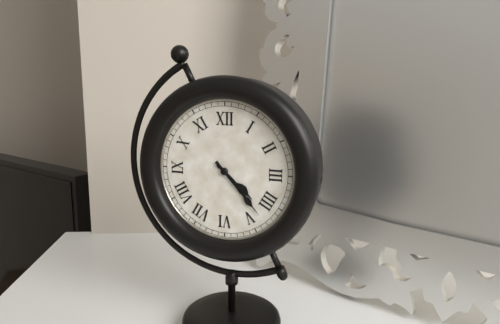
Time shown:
**4:23**
